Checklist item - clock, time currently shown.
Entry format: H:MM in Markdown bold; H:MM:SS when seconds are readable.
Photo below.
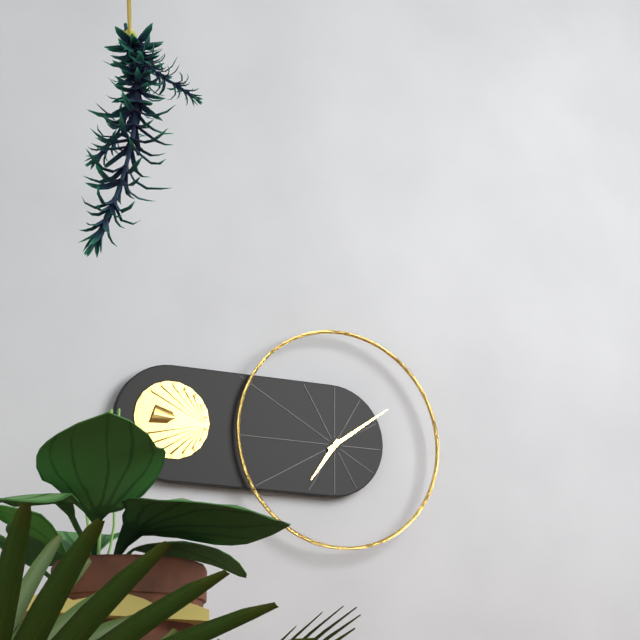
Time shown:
**7:09**
